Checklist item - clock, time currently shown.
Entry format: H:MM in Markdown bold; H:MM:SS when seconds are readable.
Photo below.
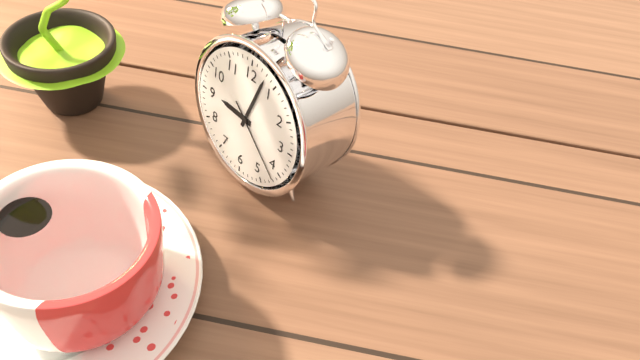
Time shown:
**9:03:22**
